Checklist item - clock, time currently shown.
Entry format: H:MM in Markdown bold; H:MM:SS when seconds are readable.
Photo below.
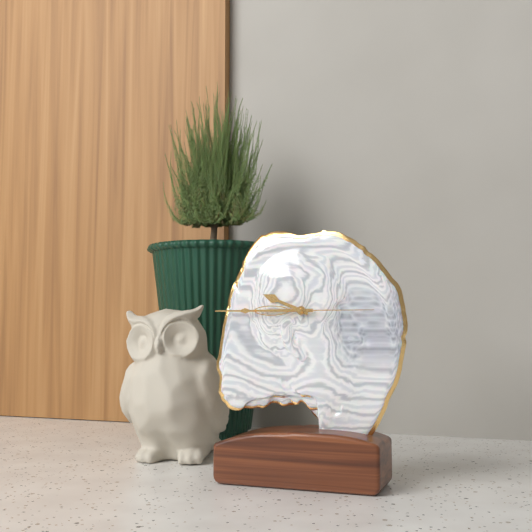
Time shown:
**9:45:15**
